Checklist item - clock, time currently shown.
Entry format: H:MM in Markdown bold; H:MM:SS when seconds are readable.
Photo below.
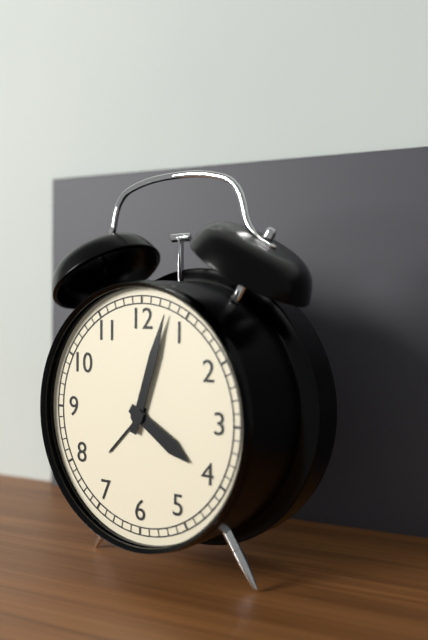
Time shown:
**4:03**
